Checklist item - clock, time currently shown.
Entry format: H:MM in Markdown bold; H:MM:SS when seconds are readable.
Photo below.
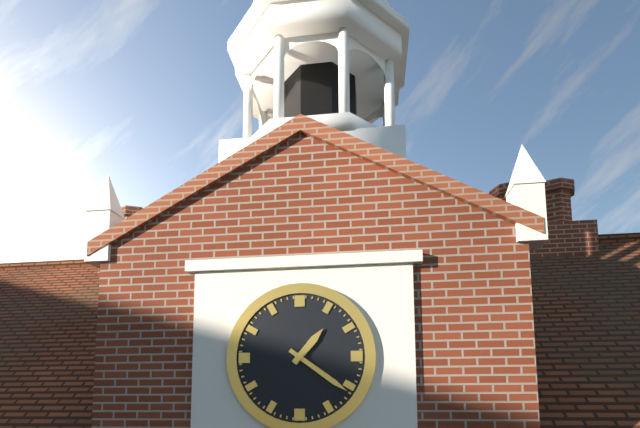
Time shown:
**1:21**
